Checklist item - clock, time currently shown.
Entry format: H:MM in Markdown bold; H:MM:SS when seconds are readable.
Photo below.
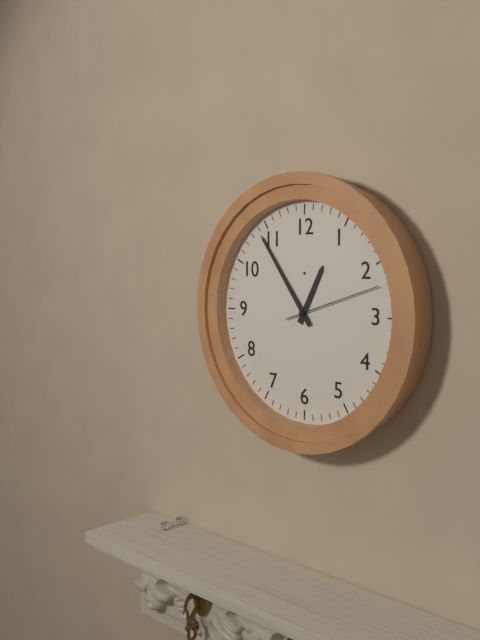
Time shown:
**12:54:12**
